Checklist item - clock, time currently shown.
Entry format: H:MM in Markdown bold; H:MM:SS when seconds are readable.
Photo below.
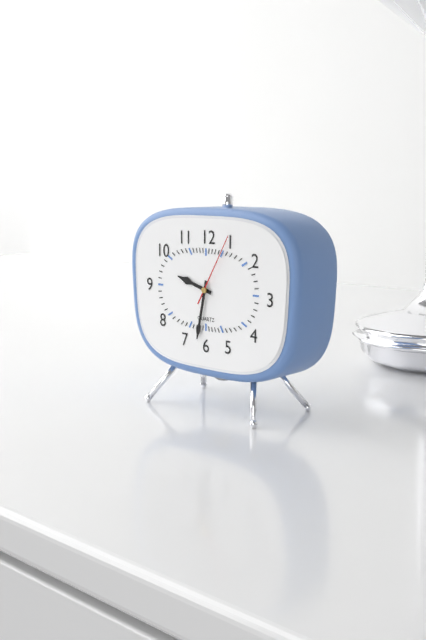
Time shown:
**9:32:05**
